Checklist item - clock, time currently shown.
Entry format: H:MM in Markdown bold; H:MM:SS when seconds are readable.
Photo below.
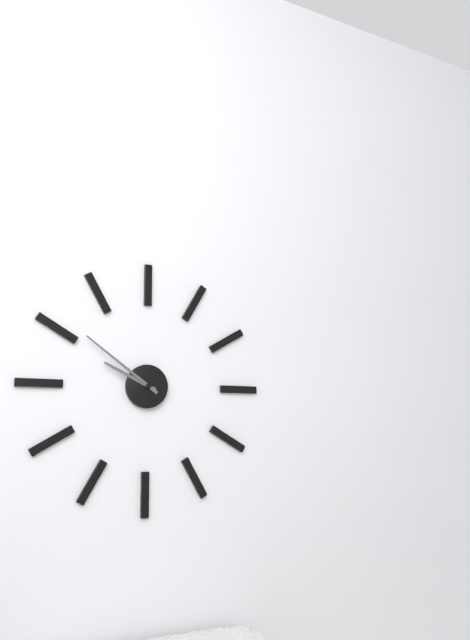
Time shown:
**9:51**
